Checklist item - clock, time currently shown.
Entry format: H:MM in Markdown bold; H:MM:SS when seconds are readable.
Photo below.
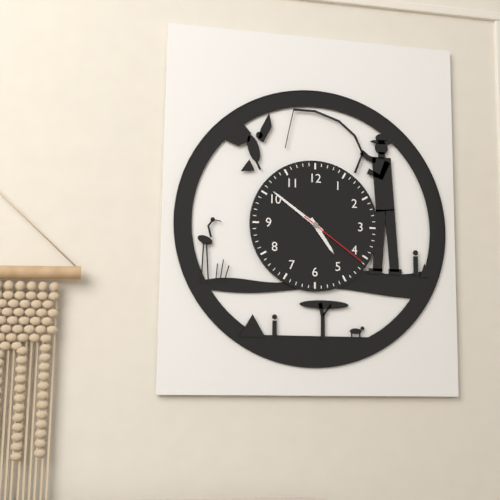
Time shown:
**4:51:21**
